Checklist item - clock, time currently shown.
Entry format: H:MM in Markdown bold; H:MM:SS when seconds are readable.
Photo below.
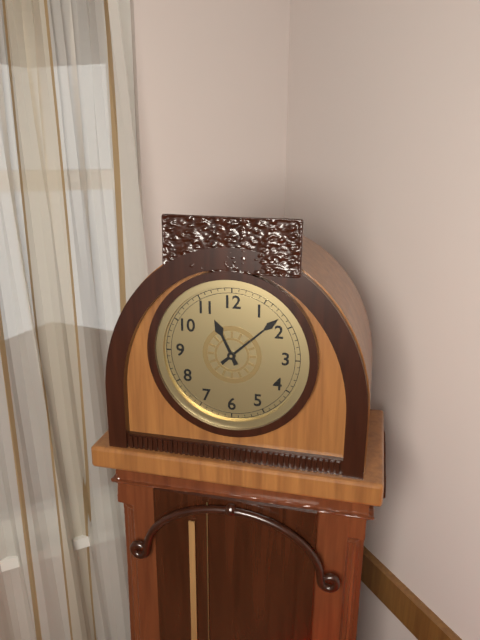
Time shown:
**11:08**
